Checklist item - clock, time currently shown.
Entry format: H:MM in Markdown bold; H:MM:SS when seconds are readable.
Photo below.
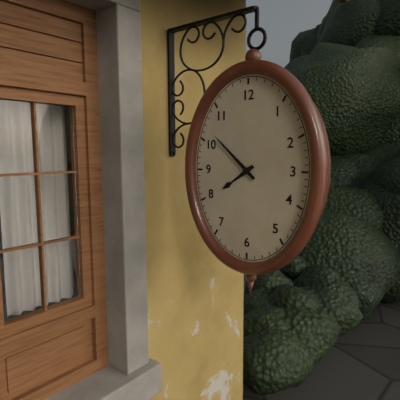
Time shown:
**7:52**
